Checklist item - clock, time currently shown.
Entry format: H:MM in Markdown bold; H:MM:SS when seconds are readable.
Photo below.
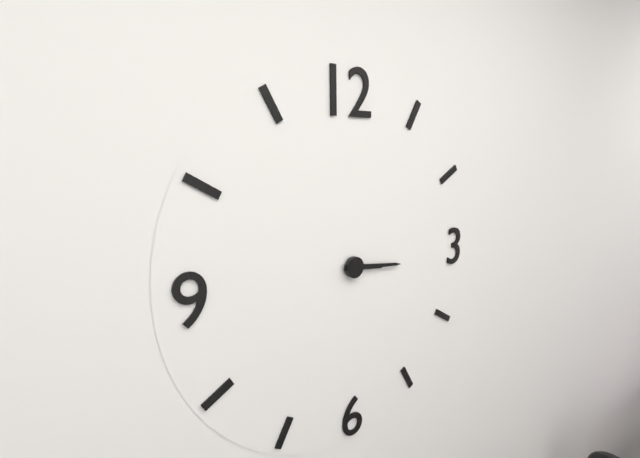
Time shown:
**3:16**
